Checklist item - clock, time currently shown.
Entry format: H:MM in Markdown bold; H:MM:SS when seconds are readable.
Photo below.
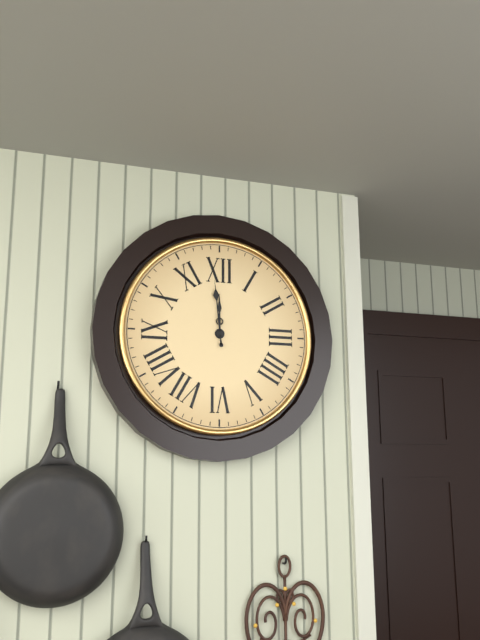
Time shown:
**11:59**
